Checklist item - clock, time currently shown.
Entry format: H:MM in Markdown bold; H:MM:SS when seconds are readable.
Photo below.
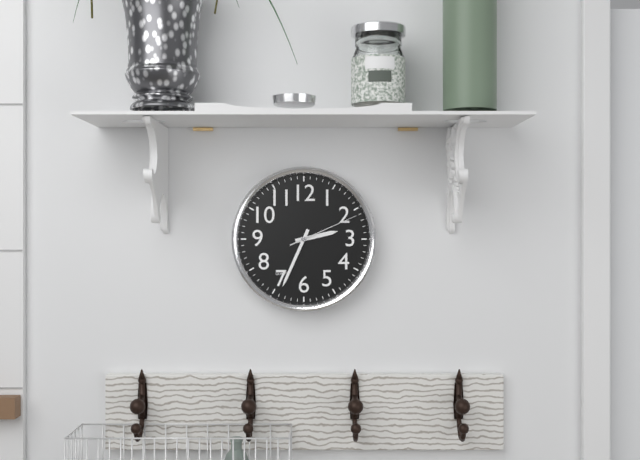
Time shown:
**2:34:11**
